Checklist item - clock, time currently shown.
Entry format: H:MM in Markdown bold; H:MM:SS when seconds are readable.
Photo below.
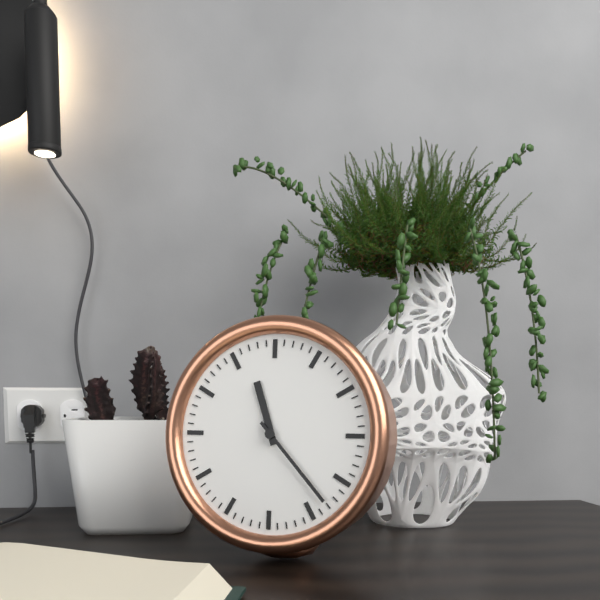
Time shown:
**11:23**
